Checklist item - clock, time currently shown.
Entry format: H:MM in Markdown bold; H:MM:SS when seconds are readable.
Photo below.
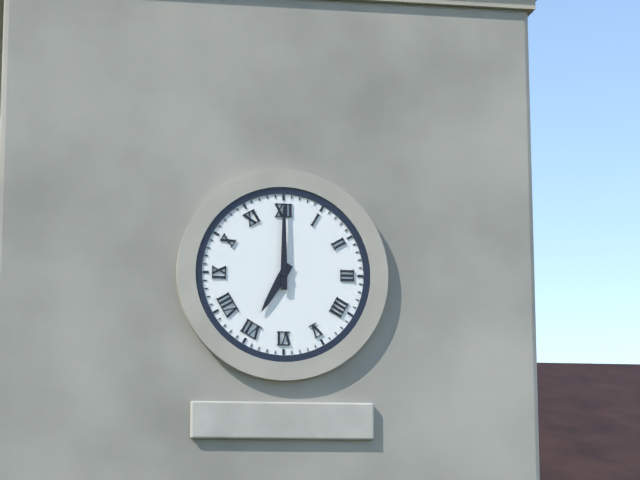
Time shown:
**7:00**
